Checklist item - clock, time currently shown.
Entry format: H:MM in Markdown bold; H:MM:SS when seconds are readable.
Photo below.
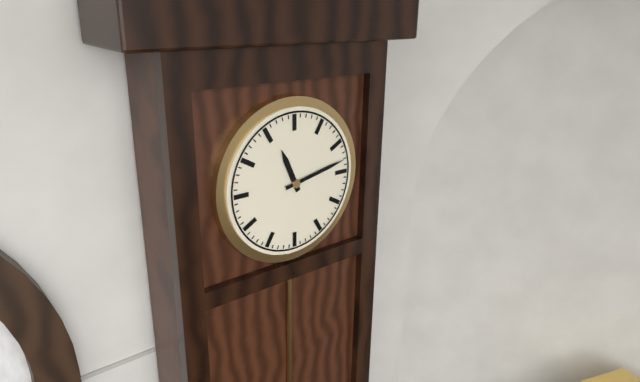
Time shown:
**11:13**
